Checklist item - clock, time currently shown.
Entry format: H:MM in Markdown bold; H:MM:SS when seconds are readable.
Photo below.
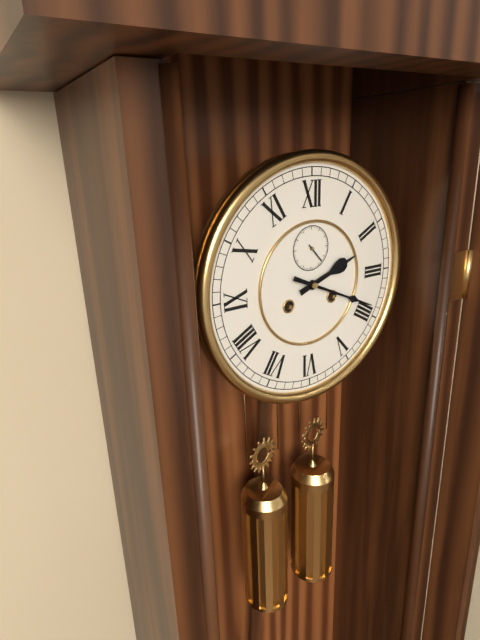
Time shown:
**2:19**
